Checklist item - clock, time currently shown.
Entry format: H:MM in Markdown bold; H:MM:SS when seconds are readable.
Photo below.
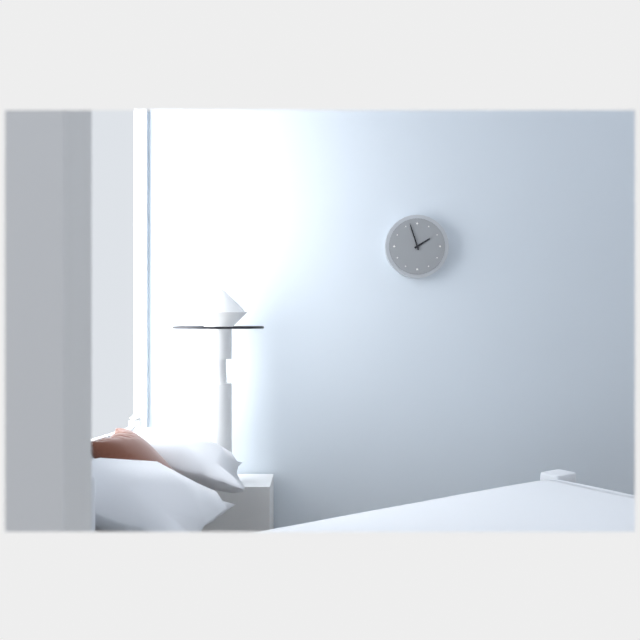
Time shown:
**1:57**
